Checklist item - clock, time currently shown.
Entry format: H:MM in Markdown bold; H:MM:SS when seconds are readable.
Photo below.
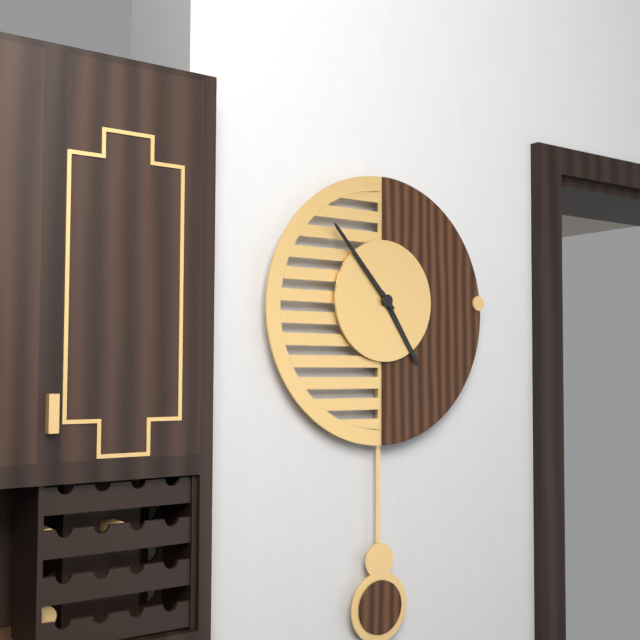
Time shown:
**4:53**
